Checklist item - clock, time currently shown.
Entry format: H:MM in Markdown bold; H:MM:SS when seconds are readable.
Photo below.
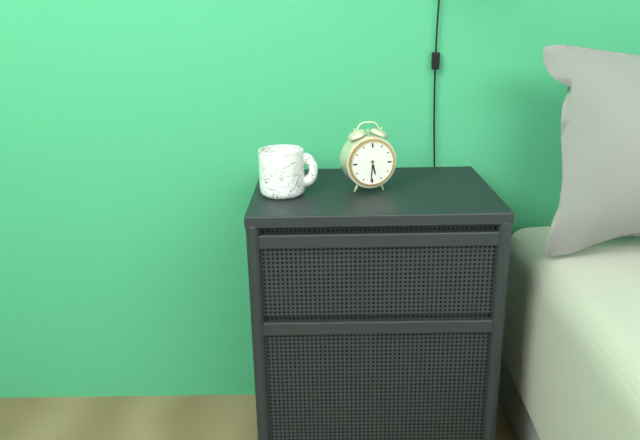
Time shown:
**5:31**
